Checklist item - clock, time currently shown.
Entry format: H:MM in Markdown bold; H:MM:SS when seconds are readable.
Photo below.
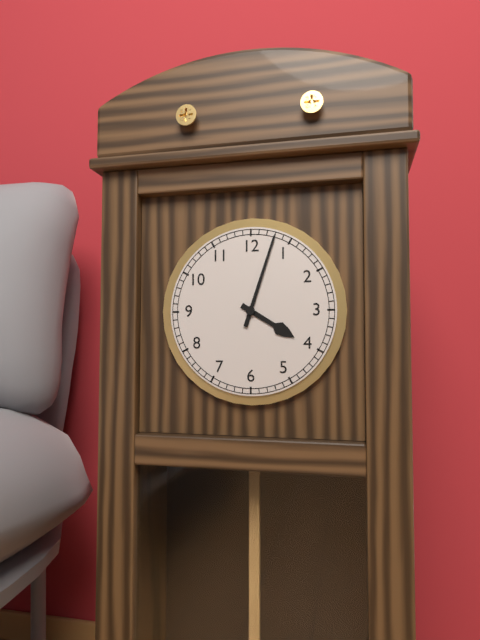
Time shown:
**4:03**
